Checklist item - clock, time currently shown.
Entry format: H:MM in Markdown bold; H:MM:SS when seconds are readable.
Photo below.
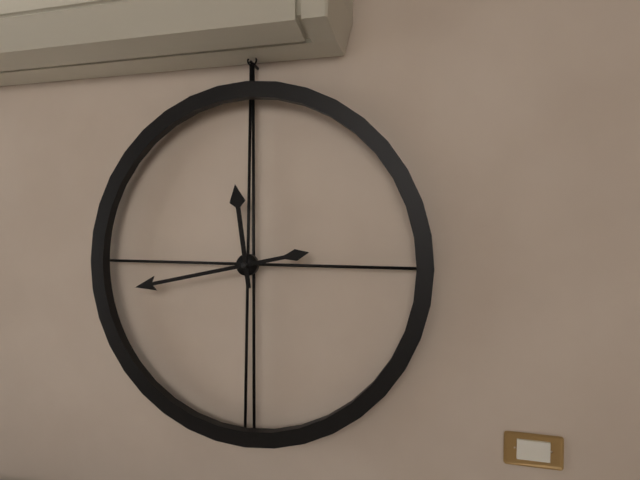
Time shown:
**11:43**
